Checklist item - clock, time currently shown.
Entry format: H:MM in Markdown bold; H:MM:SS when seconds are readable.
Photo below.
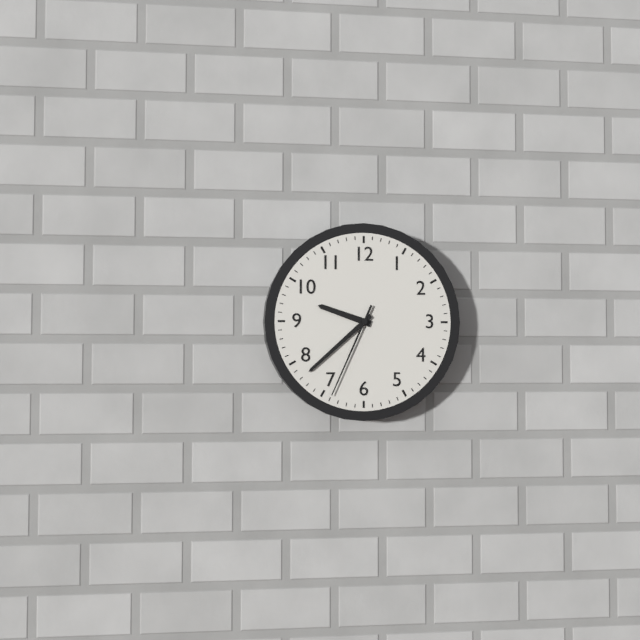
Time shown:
**9:38:34**
